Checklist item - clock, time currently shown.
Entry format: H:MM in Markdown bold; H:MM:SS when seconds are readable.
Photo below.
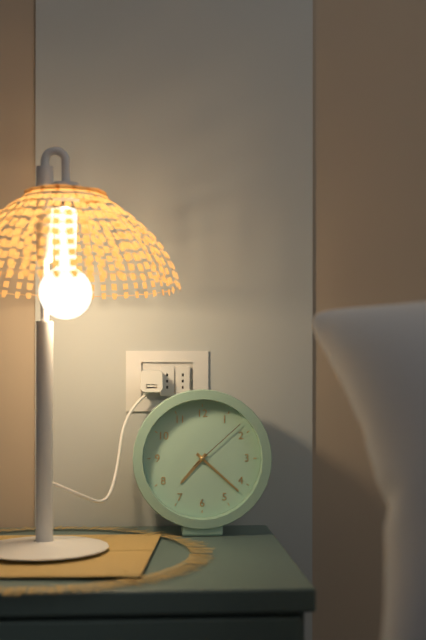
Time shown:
**7:22:08**
